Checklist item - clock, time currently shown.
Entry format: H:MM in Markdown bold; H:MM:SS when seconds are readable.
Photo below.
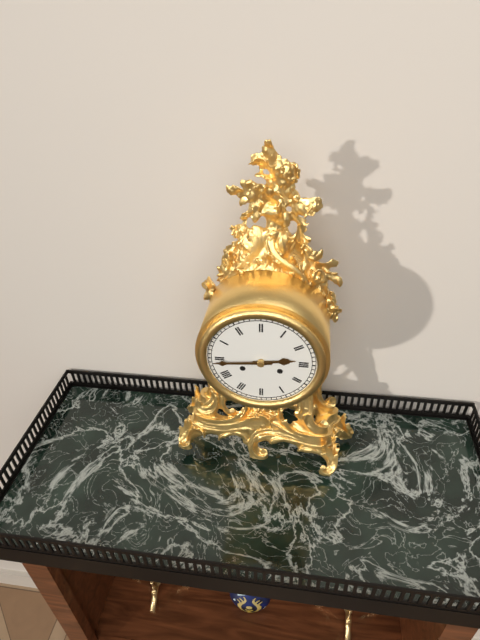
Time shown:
**2:44**
